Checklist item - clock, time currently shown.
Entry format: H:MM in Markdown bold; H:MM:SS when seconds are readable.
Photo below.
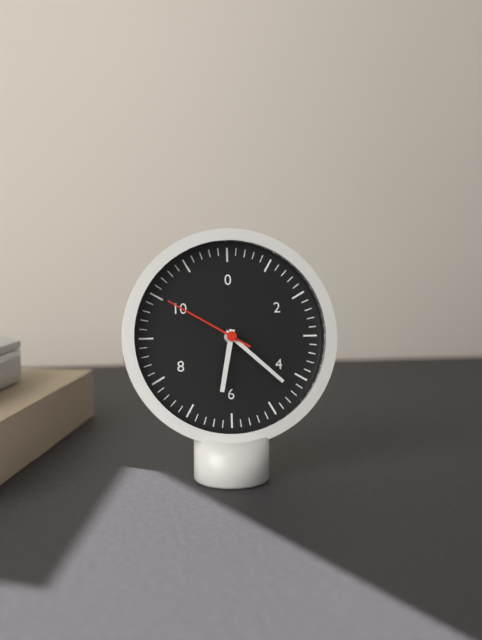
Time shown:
**6:22:50**
